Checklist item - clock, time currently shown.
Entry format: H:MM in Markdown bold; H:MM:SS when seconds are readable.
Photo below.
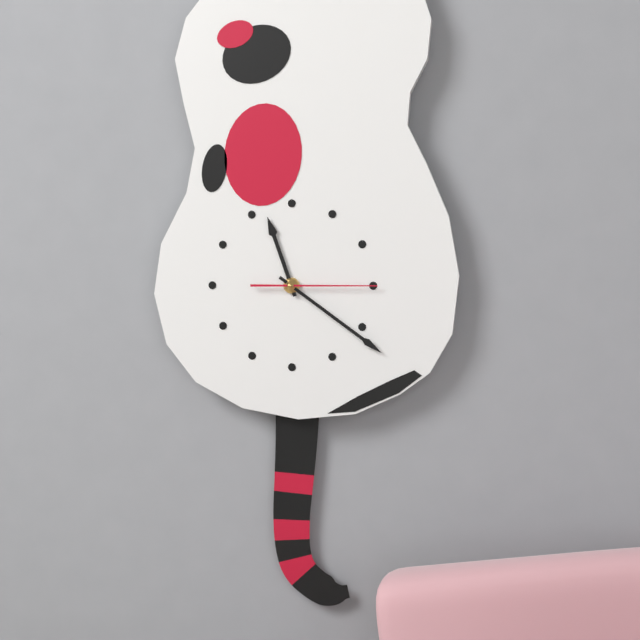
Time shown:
**11:21:15**
